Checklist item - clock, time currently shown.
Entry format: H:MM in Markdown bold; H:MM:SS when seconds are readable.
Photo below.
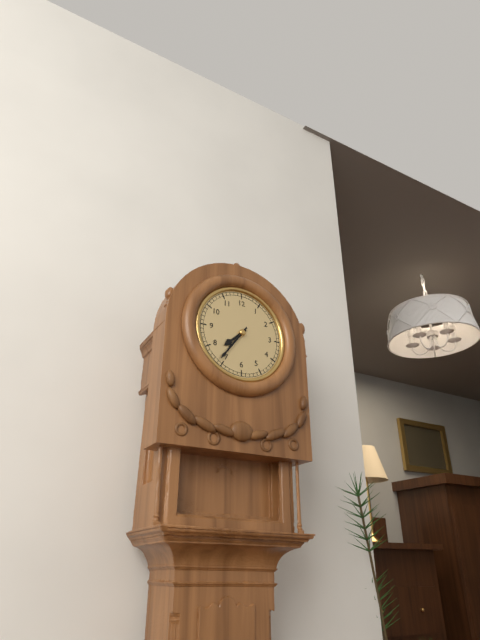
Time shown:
**7:36**
